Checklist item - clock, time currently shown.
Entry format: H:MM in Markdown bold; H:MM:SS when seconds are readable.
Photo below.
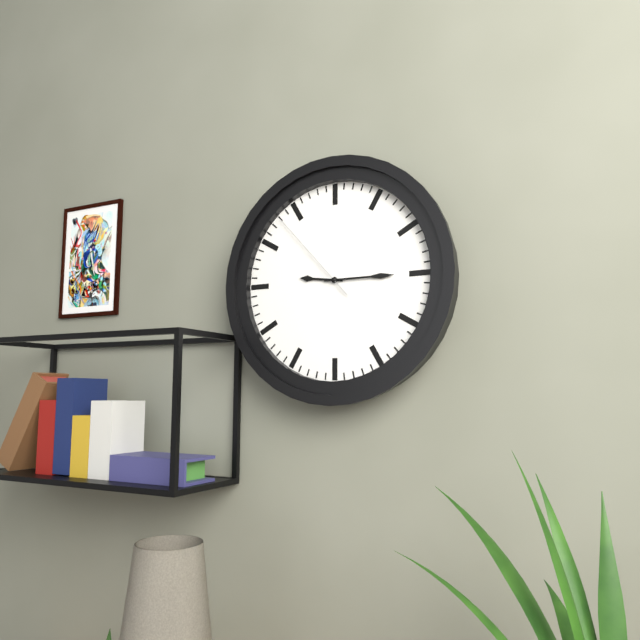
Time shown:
**9:15:53**
